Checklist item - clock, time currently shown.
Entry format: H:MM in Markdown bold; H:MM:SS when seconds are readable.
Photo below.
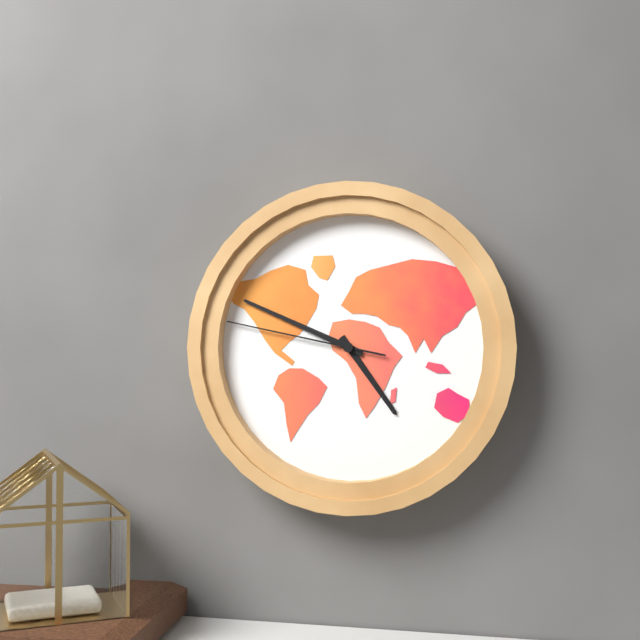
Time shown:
**4:49:47**
